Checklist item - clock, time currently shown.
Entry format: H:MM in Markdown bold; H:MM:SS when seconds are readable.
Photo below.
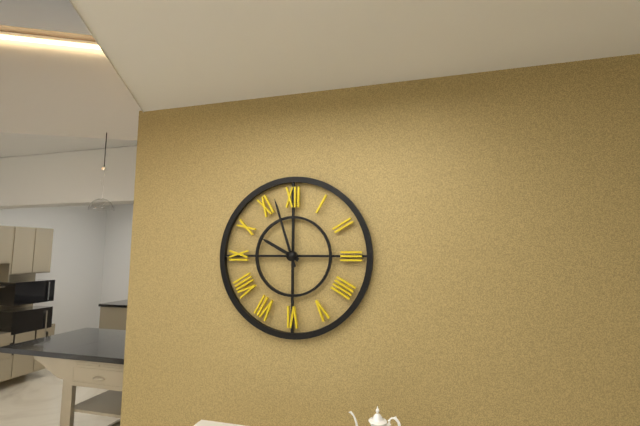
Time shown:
**9:57**
